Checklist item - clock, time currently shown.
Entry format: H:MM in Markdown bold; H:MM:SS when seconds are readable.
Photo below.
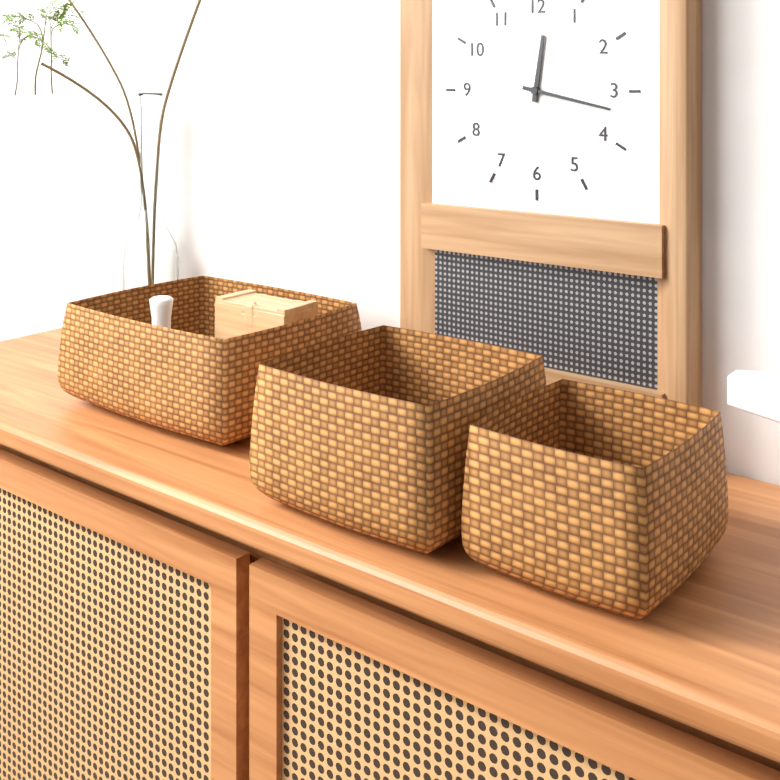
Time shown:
**12:17**
